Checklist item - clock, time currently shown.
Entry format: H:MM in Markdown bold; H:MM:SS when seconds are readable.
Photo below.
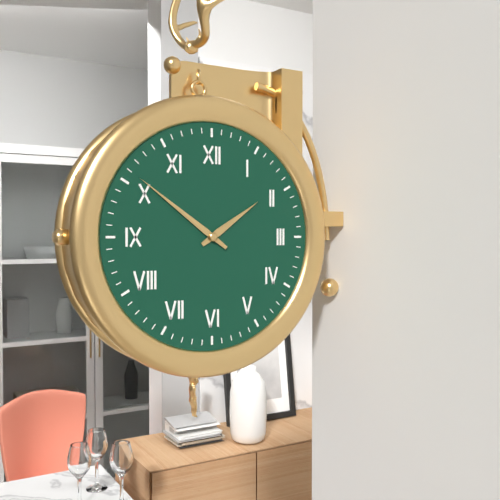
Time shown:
**1:51**
